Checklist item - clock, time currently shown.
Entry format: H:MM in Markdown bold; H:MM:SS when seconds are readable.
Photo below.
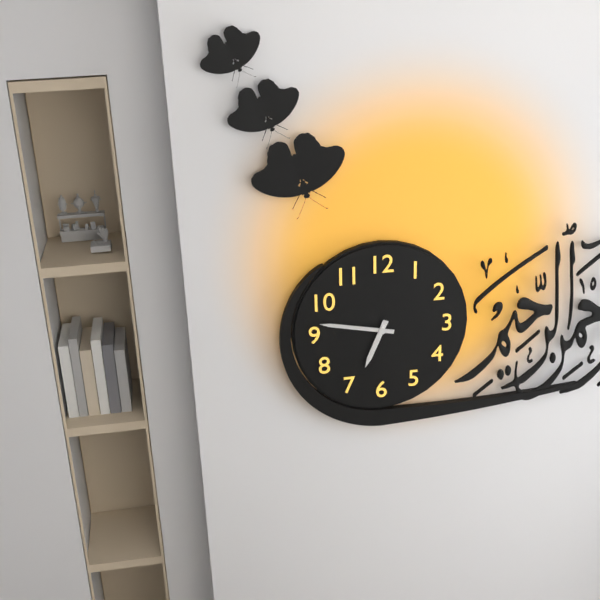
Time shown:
**6:47**
